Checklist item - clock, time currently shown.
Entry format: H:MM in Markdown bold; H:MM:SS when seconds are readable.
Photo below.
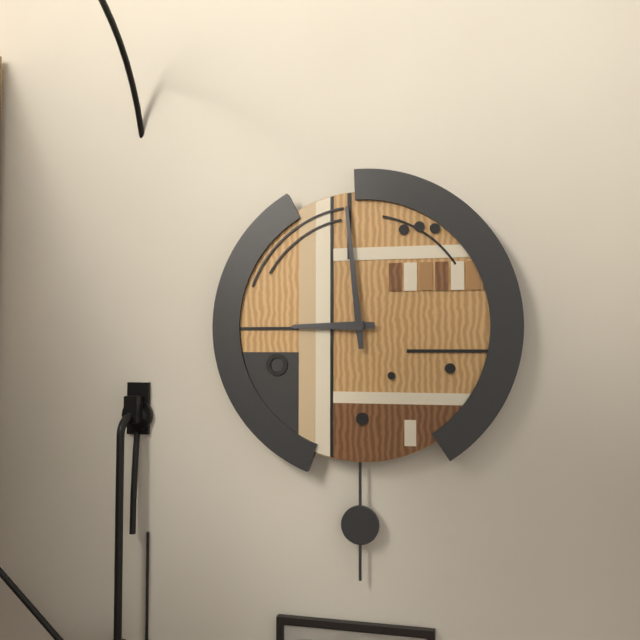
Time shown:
**8:59**
